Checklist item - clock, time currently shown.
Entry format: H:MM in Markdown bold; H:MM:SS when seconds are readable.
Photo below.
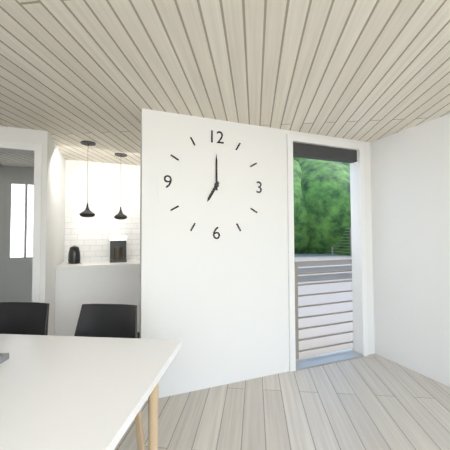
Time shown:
**7:00**
